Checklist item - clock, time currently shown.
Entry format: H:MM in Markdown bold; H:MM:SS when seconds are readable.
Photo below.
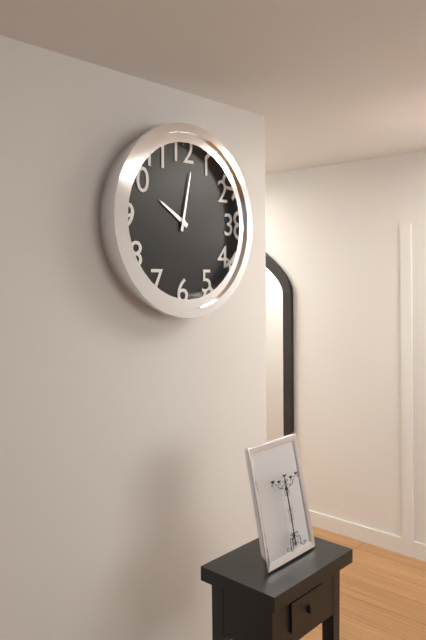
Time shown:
**10:02**
